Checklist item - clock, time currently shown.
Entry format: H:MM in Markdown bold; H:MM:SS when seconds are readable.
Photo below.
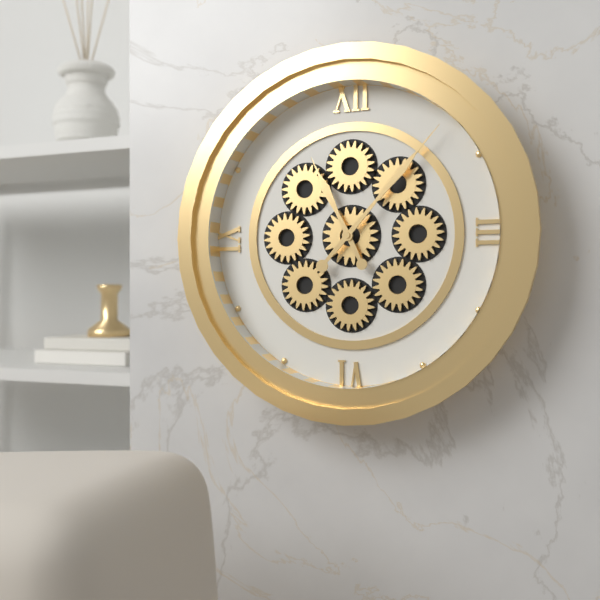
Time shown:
**11:07**
